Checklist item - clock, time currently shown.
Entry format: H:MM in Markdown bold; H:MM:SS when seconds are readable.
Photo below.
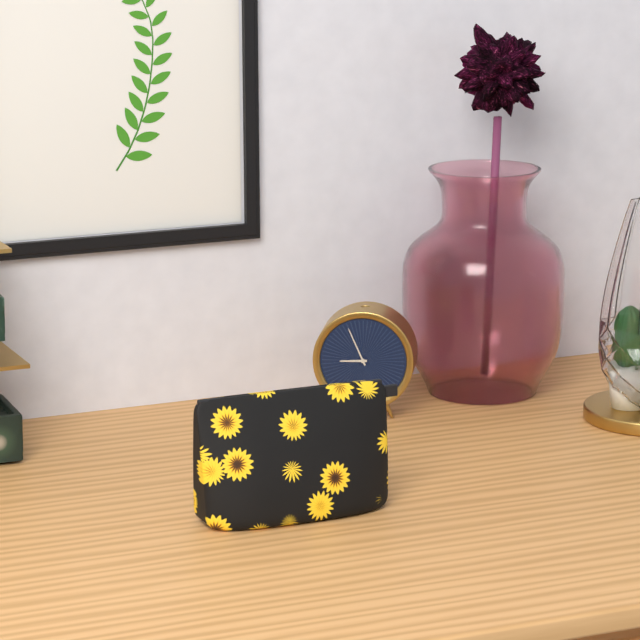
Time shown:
**8:56**
